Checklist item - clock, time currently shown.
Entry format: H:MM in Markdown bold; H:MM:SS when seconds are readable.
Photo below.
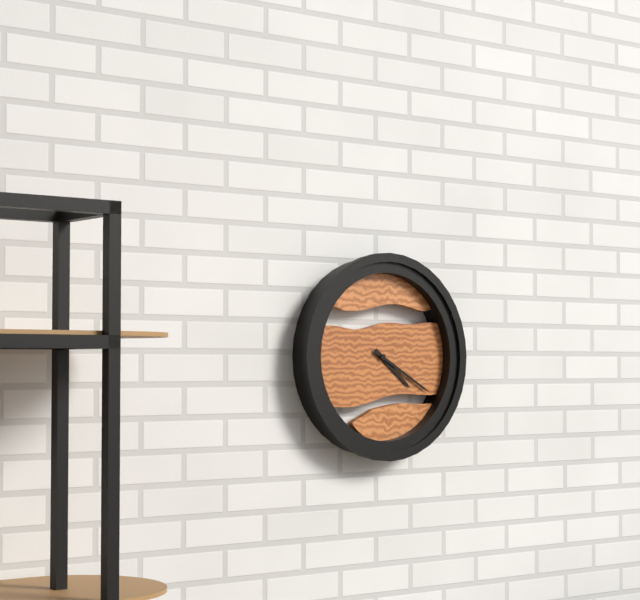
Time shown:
**4:20**
